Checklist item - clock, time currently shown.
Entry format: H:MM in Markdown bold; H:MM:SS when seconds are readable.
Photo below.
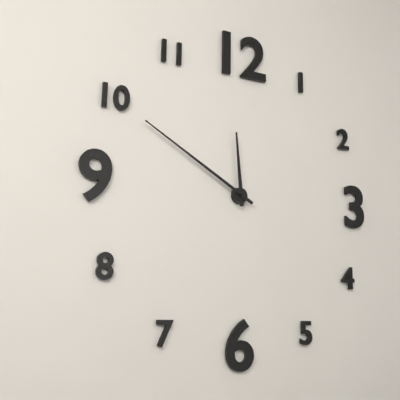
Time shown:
**11:50**
